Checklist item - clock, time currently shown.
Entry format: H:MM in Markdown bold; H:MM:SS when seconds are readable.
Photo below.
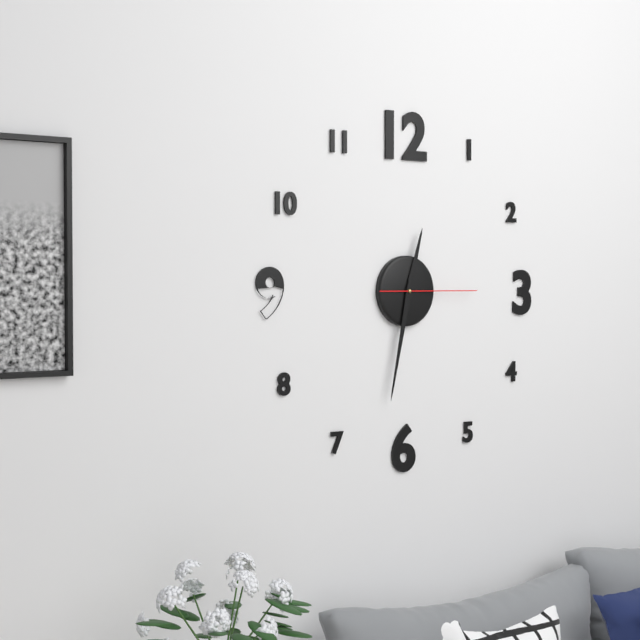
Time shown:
**12:32:15**
